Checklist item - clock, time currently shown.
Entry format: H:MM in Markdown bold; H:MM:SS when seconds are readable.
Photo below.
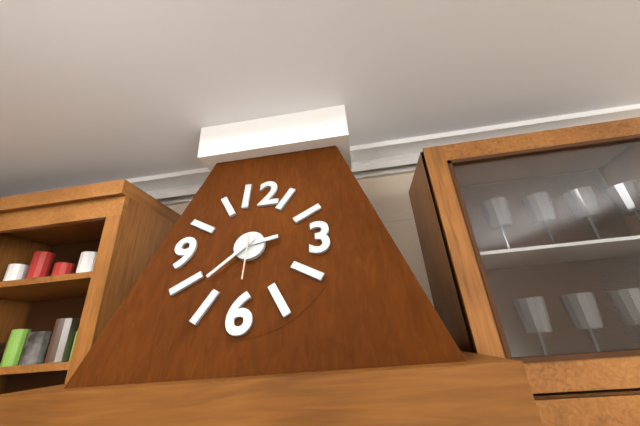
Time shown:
**2:38**
